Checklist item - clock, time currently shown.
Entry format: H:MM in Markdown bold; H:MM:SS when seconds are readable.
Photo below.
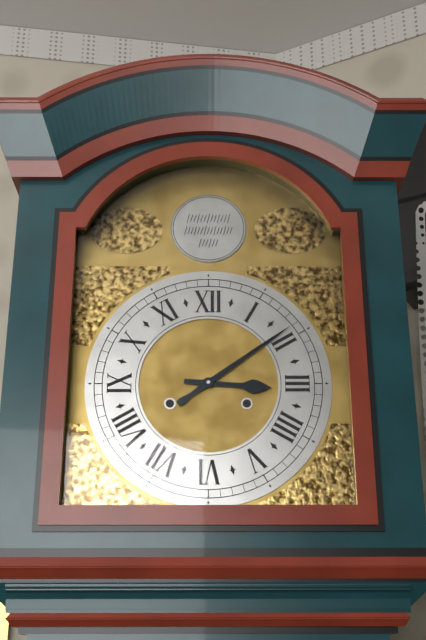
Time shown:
**3:09**
